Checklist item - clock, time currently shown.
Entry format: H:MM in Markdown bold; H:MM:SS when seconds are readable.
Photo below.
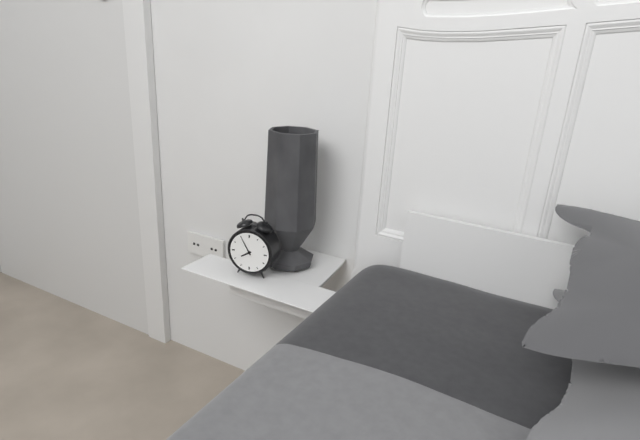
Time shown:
**7:55**
